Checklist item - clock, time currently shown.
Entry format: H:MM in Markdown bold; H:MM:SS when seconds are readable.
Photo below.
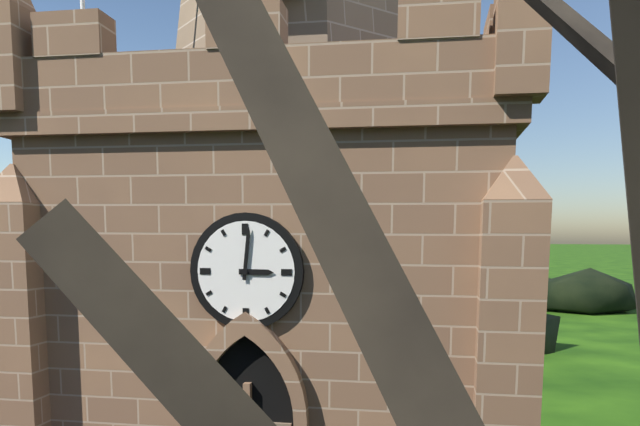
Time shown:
**3:01**
